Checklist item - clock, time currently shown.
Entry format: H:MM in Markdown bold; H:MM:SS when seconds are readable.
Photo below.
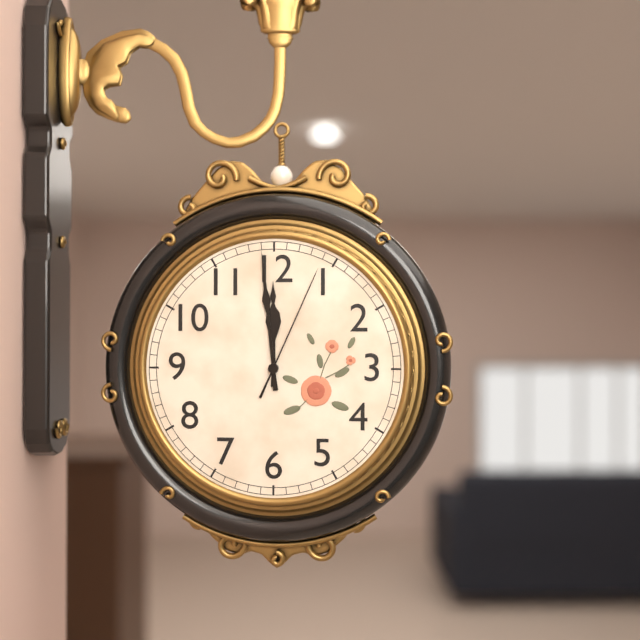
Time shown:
**11:59:04**
